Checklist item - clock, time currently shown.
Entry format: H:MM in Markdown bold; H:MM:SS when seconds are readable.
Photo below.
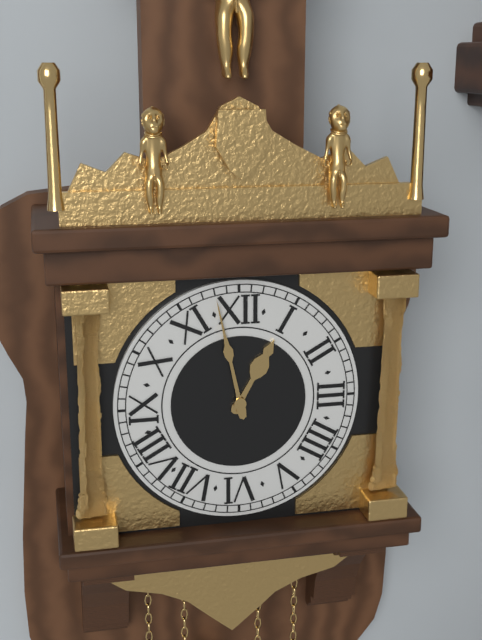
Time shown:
**12:58**
